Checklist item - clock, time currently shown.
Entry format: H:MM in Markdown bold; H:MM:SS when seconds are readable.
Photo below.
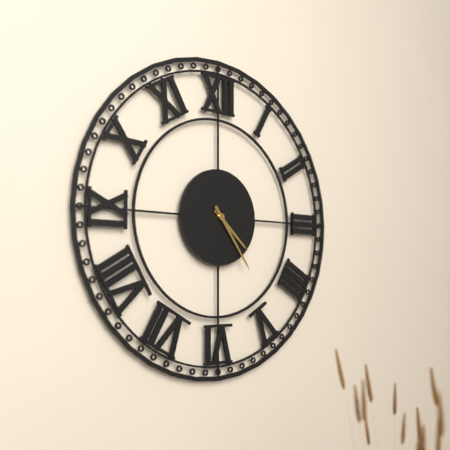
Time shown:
**4:24**
